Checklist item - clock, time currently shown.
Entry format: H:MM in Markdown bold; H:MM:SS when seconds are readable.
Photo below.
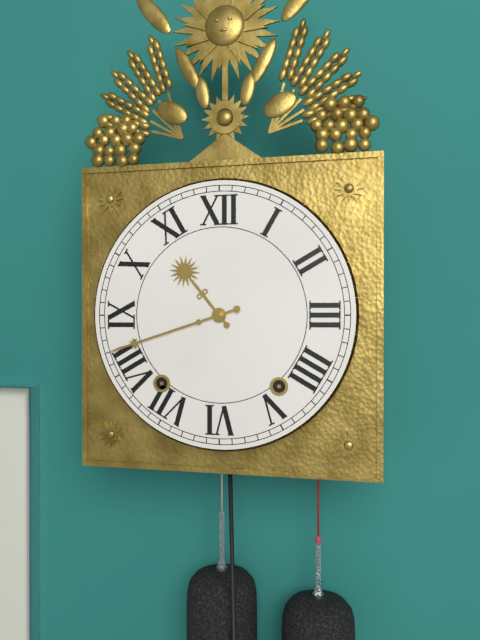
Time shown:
**10:42**
